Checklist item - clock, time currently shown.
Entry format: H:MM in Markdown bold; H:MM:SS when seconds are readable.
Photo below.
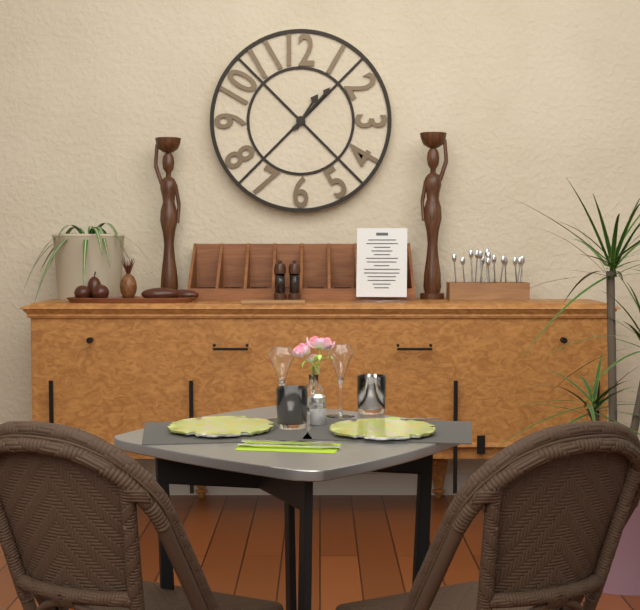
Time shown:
**1:07**
